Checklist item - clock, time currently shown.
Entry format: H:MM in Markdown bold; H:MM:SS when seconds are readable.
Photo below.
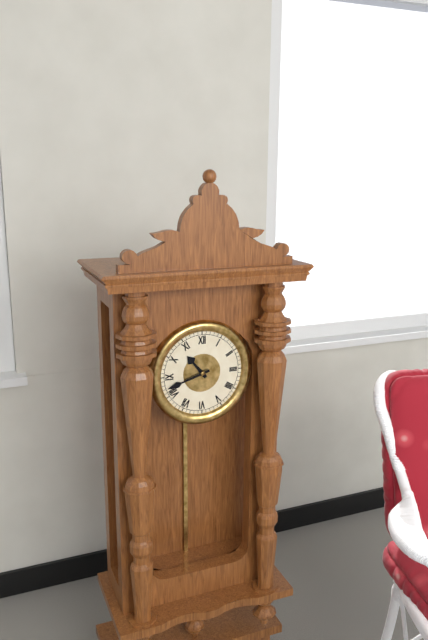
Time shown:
**10:42**
